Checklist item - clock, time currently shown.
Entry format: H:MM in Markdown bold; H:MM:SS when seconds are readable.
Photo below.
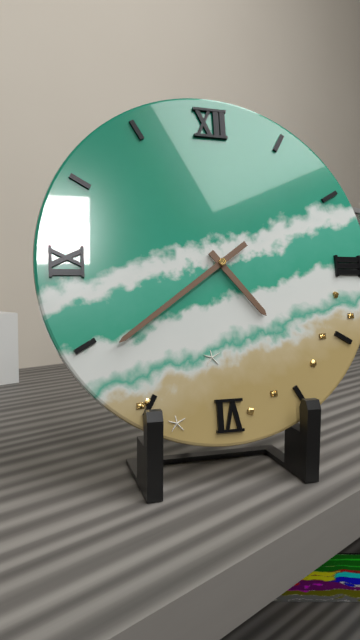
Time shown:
**4:39**
